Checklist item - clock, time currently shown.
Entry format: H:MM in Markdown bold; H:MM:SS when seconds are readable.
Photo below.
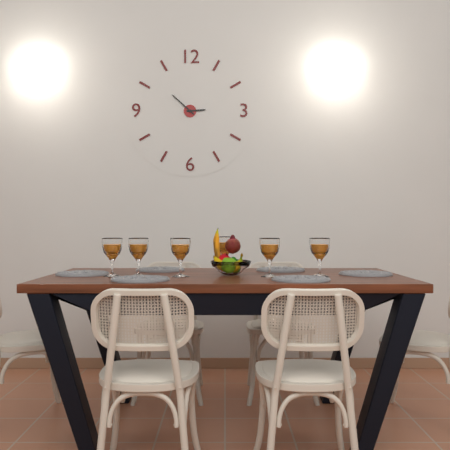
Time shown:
**2:52**
